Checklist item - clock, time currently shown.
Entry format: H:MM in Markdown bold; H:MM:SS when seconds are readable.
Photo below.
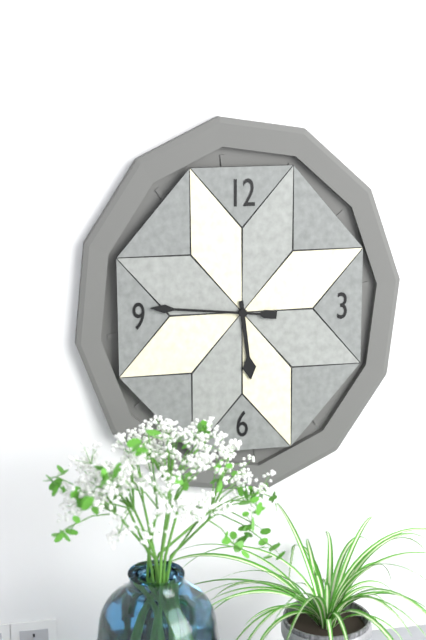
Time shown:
**5:46**
